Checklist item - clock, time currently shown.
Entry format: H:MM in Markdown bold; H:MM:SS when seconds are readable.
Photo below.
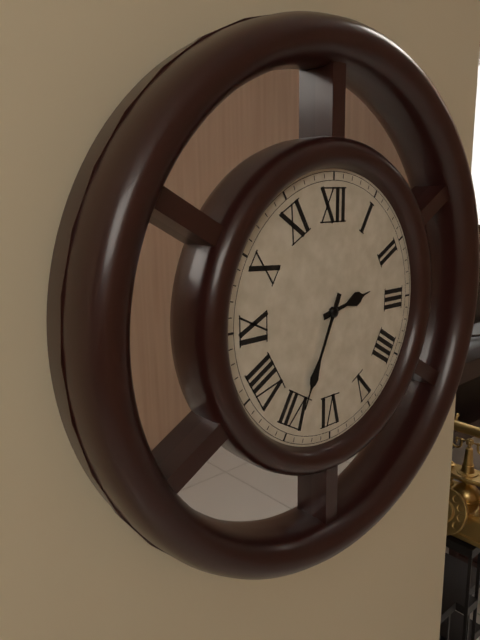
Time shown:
**2:34**
